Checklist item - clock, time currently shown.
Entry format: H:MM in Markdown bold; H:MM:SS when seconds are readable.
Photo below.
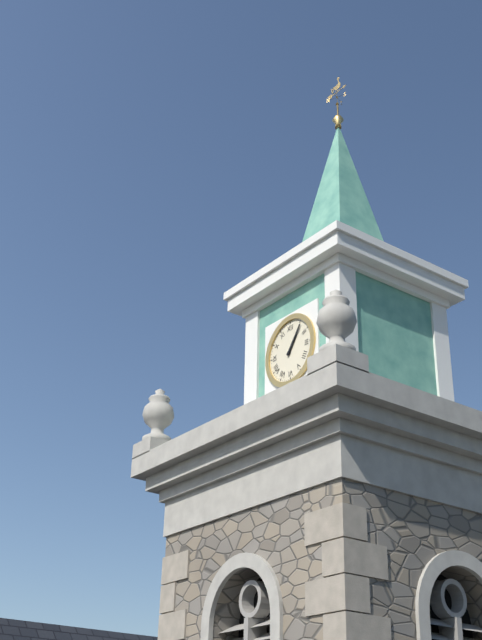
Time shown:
**1:06**
